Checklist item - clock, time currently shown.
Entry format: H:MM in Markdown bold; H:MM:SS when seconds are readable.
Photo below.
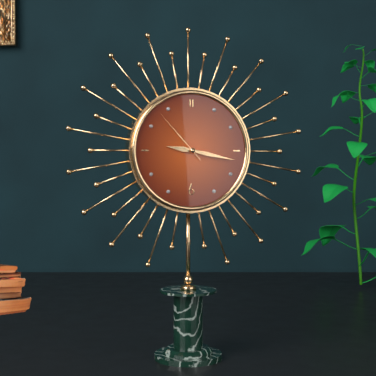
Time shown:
**9:17:53**
